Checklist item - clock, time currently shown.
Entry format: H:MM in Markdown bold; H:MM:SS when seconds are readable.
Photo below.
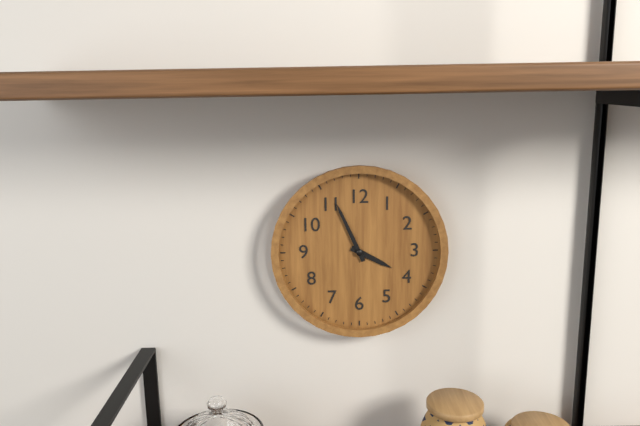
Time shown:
**3:56**
